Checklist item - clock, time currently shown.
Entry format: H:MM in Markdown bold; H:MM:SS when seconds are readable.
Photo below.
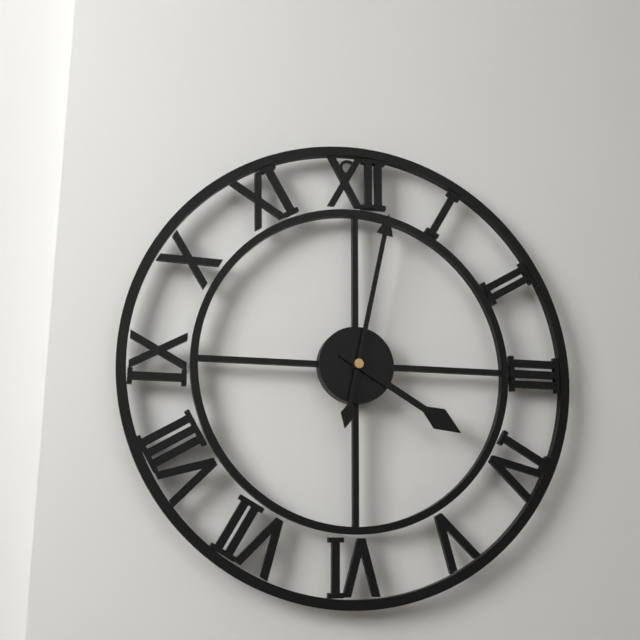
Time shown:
**4:02**
